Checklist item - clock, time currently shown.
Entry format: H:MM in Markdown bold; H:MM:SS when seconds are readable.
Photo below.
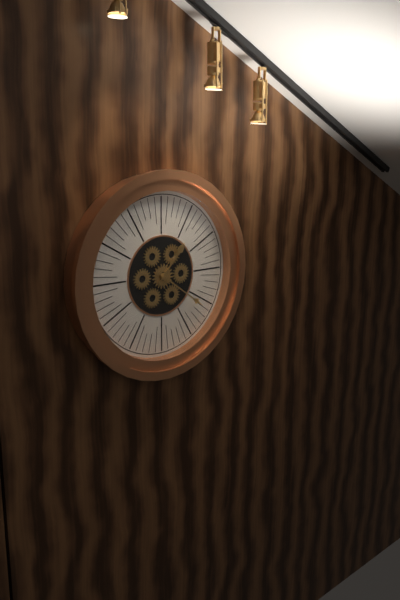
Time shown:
**1:21**
